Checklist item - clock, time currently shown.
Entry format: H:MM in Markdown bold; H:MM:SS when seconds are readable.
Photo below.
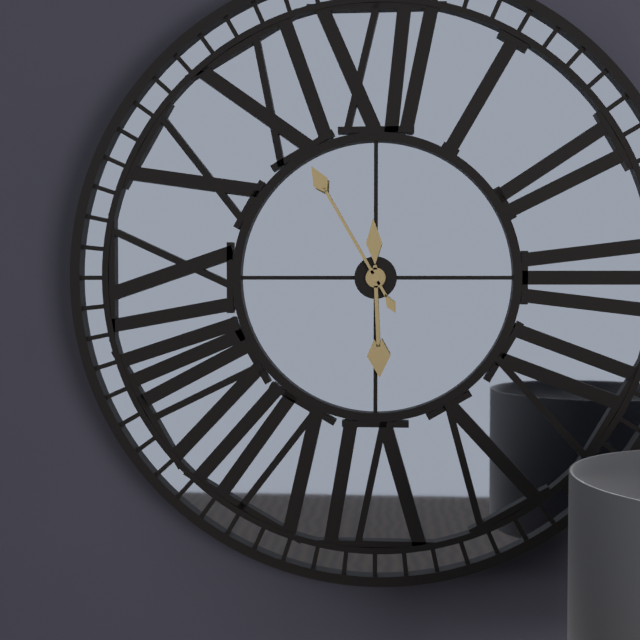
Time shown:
**5:55**
